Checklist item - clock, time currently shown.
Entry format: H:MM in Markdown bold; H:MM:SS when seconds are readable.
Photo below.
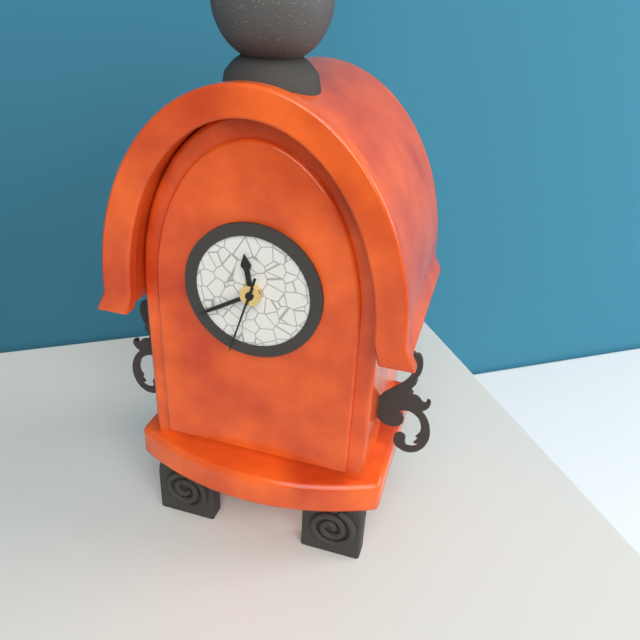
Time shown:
**11:40:33**
